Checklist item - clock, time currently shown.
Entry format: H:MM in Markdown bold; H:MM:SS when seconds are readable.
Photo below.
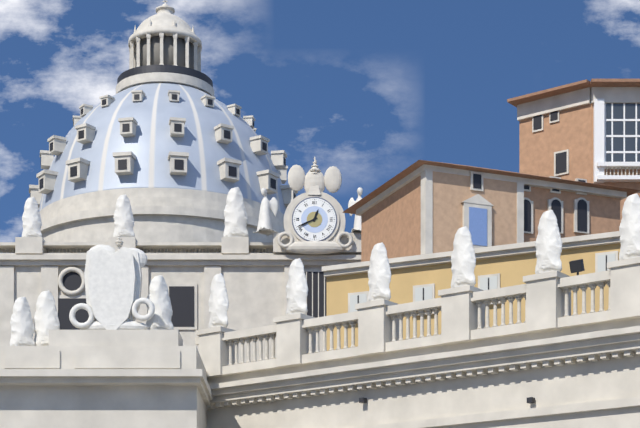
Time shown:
**12:41**
